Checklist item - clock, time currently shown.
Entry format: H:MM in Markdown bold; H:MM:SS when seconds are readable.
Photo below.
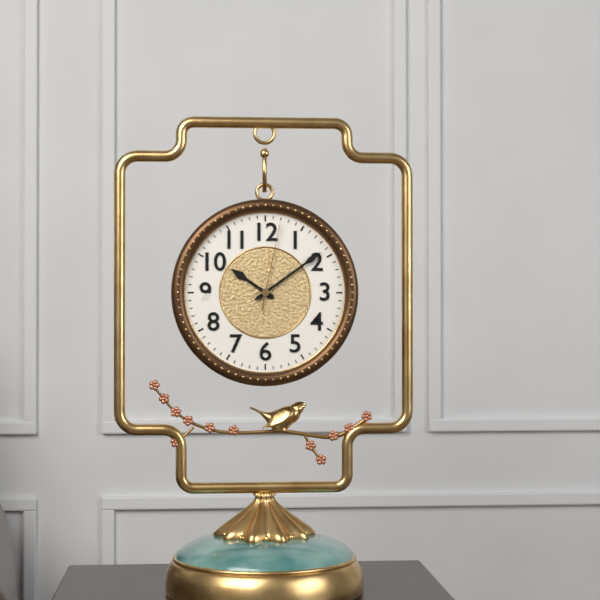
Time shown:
**10:09:02**
